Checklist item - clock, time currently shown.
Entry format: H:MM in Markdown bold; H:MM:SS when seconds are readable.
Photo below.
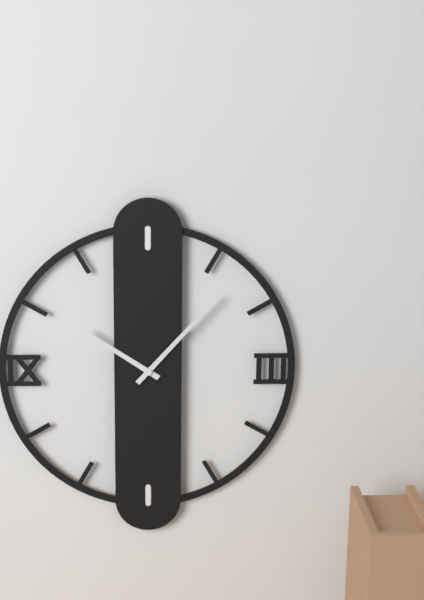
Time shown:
**10:07**
